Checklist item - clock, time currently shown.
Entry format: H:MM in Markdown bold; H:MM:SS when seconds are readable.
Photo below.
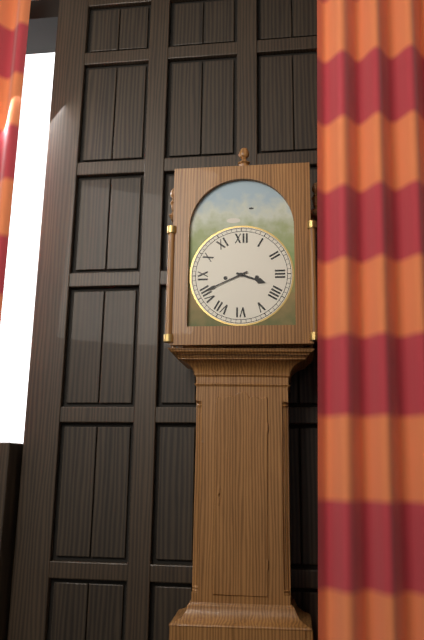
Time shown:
**3:41**
